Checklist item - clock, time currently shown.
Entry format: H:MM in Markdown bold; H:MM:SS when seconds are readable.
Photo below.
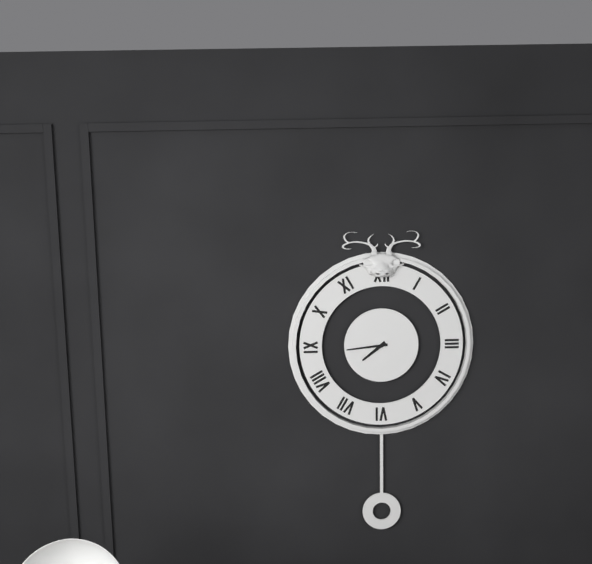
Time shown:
**7:44**
